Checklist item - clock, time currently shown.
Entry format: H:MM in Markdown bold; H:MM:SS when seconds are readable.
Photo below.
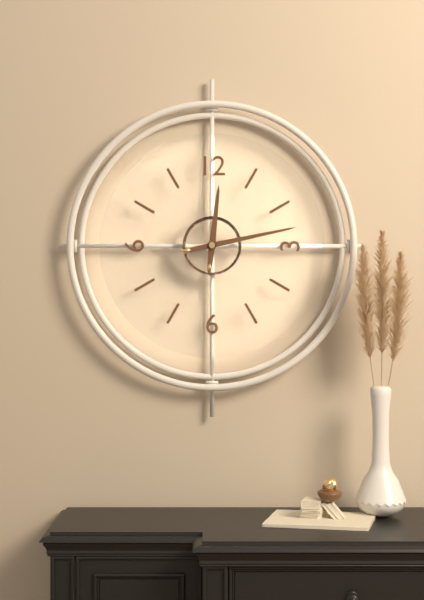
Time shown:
**12:13**
